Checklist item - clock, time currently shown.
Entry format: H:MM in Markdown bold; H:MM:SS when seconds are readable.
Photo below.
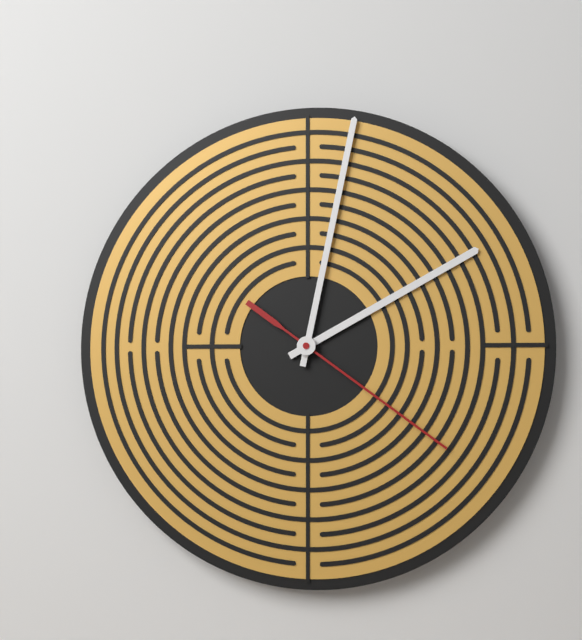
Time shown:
**2:02:21**
